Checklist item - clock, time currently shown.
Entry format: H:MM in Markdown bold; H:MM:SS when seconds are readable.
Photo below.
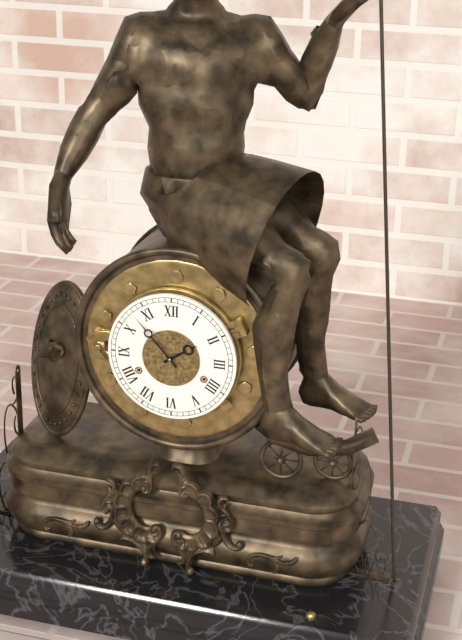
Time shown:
**1:53**
